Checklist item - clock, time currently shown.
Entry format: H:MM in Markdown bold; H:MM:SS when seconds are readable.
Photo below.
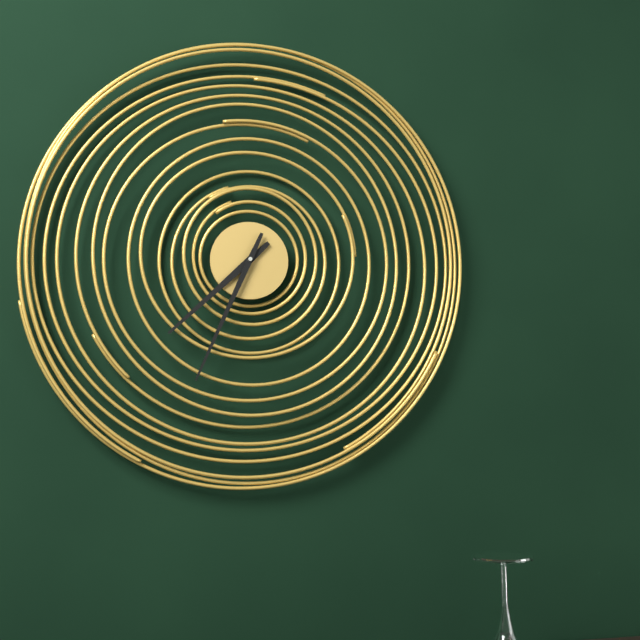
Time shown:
**7:34**
